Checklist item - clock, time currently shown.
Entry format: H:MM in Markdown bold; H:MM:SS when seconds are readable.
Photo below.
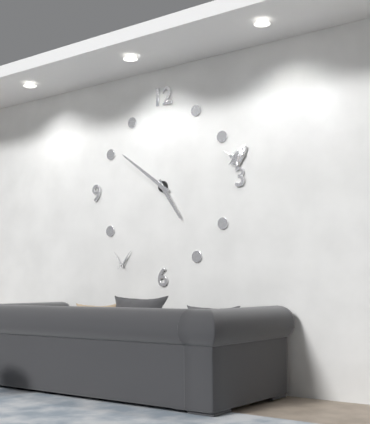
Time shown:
**4:51**
